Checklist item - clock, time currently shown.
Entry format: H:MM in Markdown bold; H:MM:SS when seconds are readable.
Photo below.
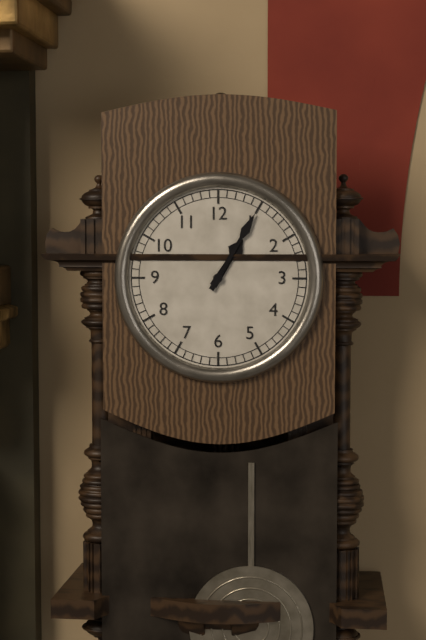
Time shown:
**1:05**
